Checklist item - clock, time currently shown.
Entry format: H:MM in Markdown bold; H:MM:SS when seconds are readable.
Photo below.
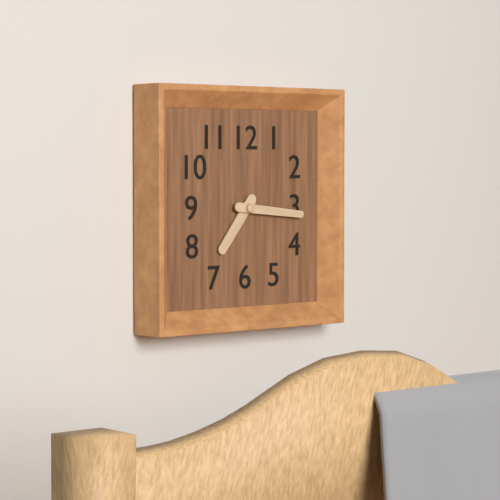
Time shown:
**7:16**
